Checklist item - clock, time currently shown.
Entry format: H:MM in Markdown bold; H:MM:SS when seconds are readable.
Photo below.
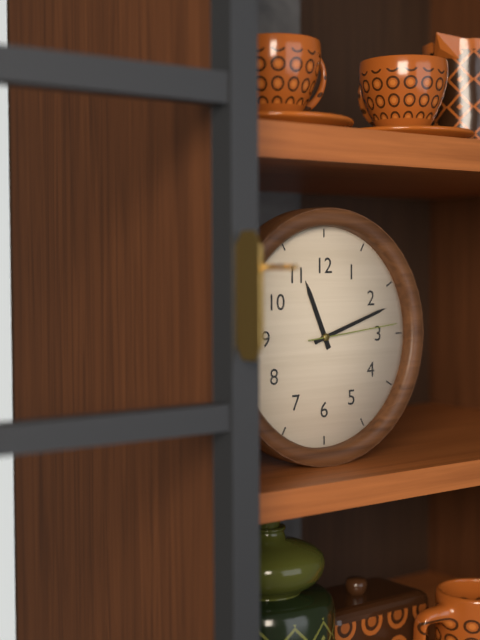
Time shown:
**11:12:14**
